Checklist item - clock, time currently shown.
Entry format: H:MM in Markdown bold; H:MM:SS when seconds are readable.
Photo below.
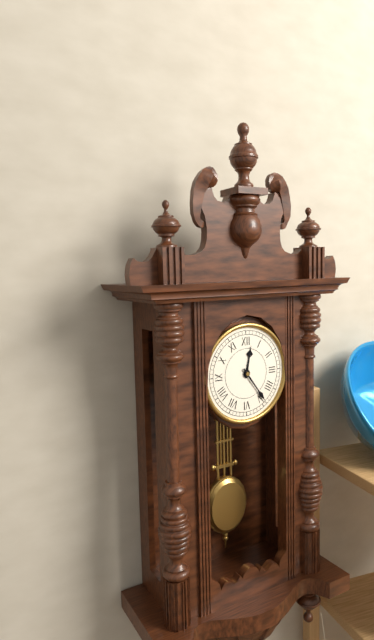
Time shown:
**12:24**
